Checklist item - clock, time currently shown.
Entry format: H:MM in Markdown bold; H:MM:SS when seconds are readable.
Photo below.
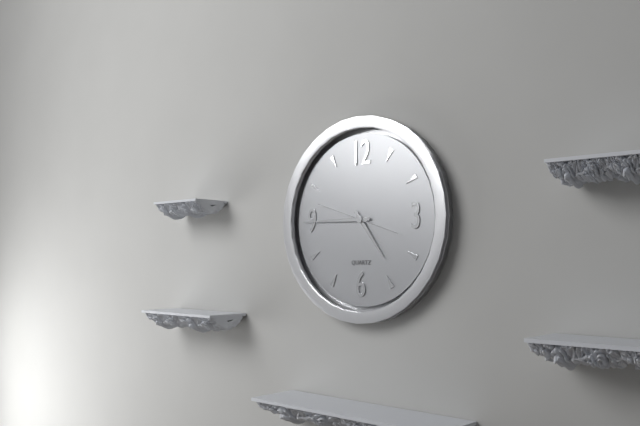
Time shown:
**4:45:48**
